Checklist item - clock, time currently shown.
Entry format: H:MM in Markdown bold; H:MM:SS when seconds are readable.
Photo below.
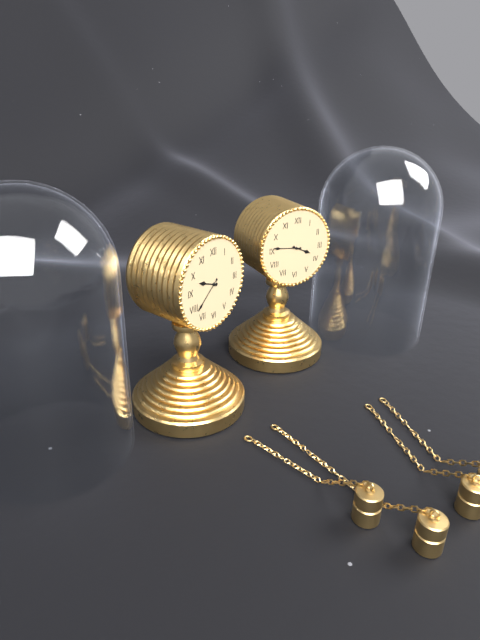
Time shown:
**9:38**
